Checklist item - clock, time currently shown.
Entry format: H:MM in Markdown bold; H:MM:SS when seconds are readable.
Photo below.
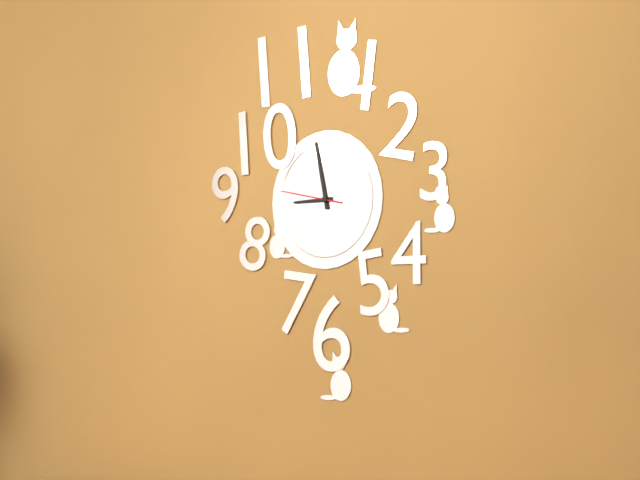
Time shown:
**8:58:47**
